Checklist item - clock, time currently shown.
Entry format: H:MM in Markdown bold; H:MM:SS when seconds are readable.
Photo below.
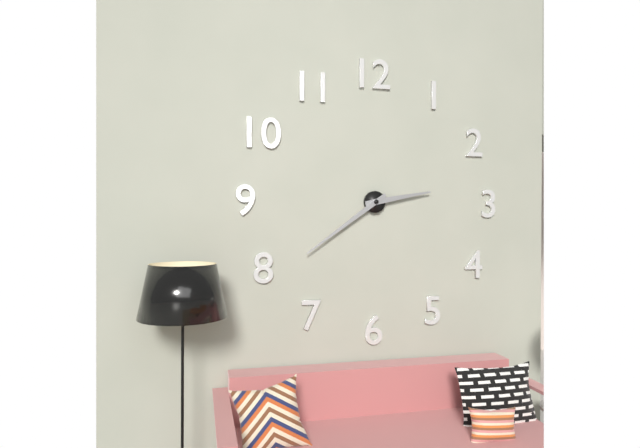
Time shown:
**2:39**
